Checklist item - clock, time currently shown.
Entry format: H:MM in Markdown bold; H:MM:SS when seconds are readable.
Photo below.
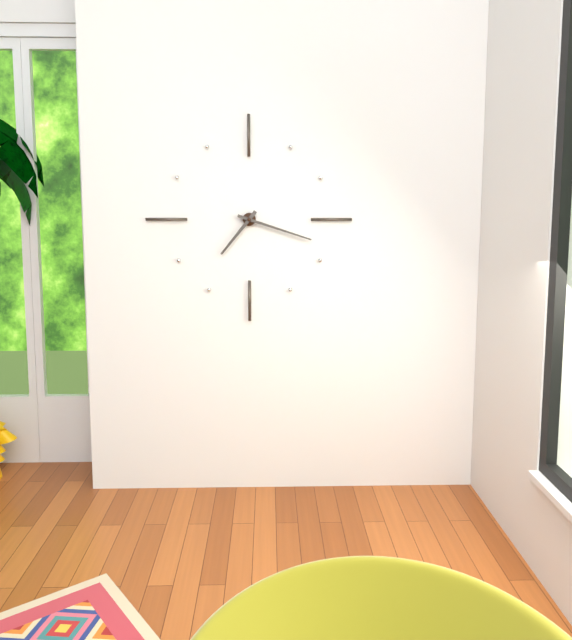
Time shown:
**7:18**
